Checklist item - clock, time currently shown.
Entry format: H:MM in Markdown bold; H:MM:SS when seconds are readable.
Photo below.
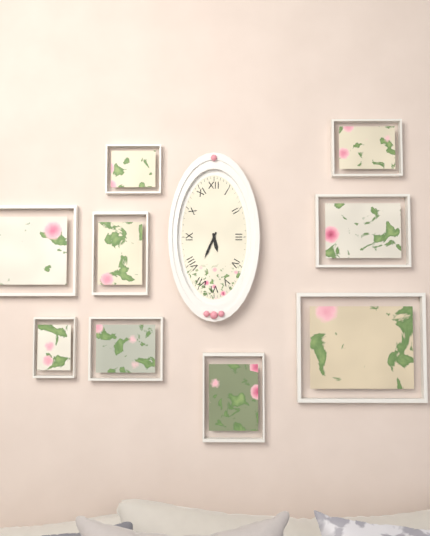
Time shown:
**5:34**
